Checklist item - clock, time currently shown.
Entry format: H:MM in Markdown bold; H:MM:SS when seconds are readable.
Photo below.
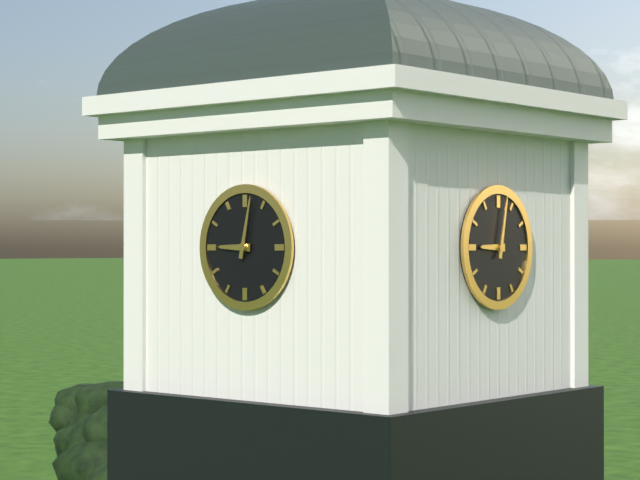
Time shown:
**9:02**
